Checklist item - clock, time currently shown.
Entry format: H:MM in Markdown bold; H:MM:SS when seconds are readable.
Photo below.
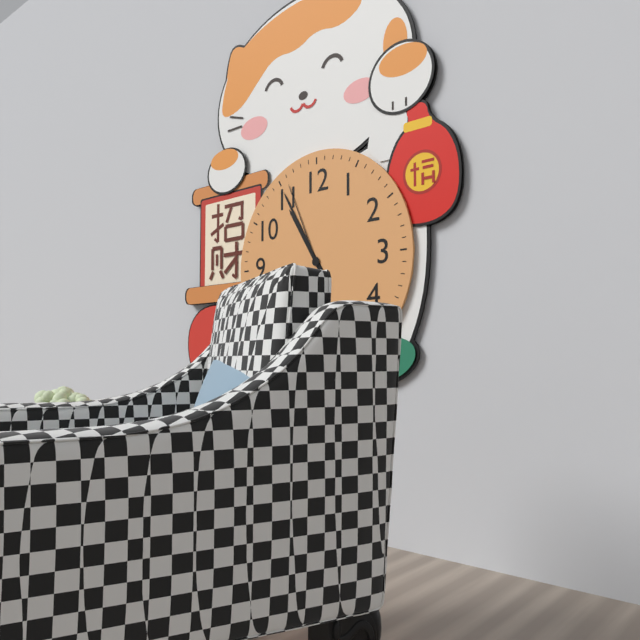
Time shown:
**10:55:56**
